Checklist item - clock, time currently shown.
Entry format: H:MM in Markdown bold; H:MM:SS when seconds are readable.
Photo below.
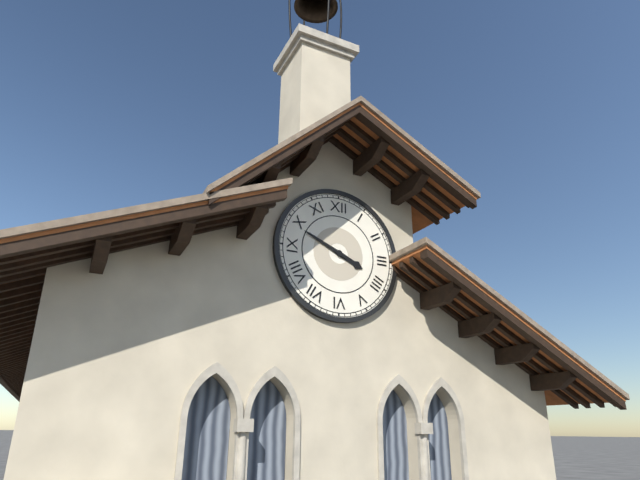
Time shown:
**3:49**
